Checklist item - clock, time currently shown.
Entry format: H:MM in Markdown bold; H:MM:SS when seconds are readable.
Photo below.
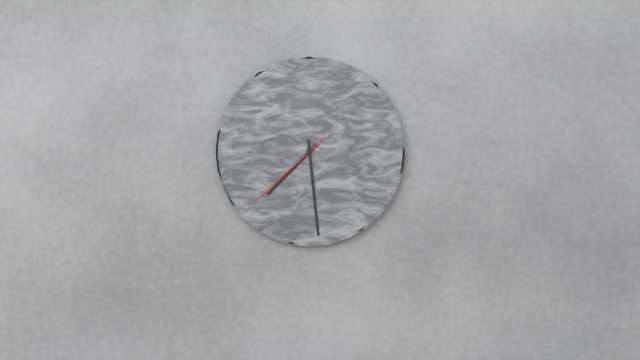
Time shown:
**7:29:38**
